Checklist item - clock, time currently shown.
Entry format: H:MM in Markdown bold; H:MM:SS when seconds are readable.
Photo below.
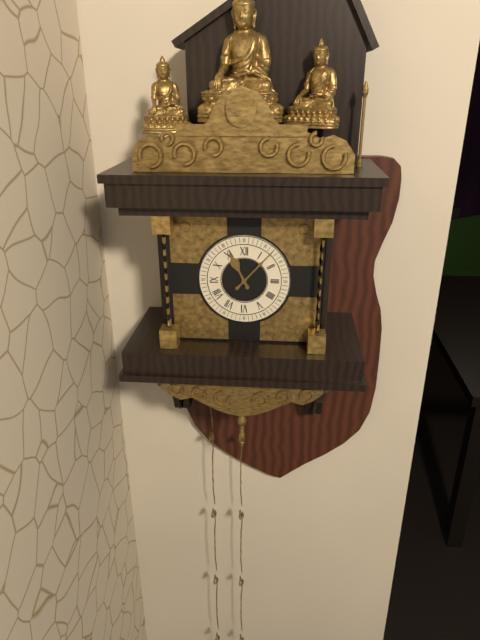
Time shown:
**11:07**
